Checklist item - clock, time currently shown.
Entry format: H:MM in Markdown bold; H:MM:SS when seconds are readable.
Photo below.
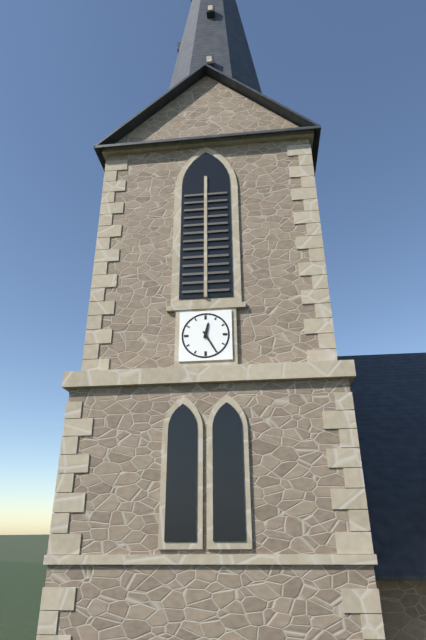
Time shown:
**12:25**
